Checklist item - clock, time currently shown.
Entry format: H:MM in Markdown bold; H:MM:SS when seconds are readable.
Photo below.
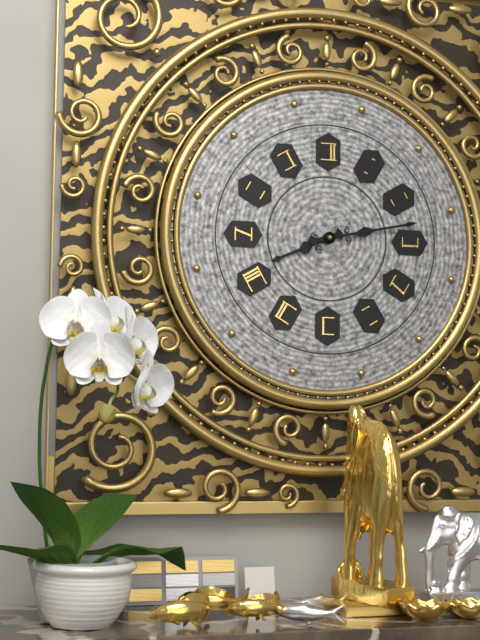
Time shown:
**8:13**
